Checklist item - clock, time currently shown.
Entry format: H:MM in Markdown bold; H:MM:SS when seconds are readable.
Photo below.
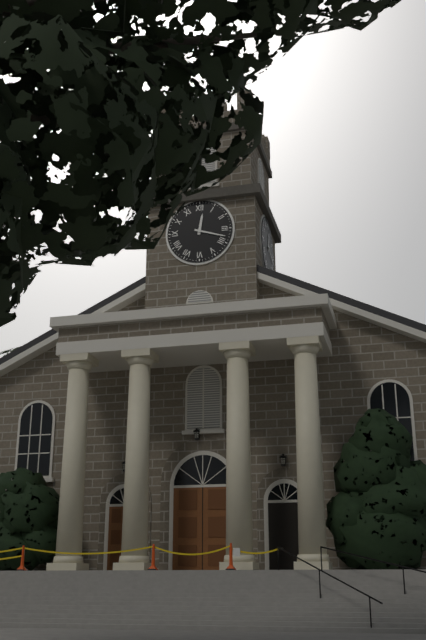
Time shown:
**12:18**
